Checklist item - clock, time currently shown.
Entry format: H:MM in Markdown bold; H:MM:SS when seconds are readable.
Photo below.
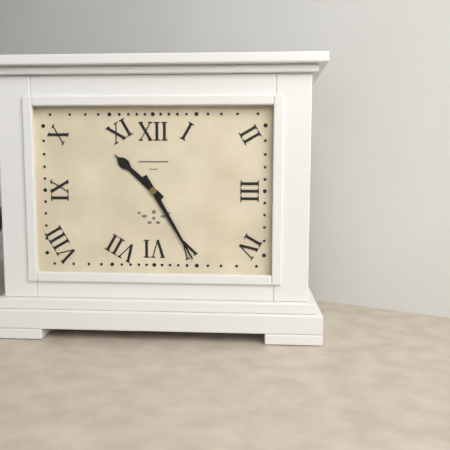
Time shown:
**10:25**
